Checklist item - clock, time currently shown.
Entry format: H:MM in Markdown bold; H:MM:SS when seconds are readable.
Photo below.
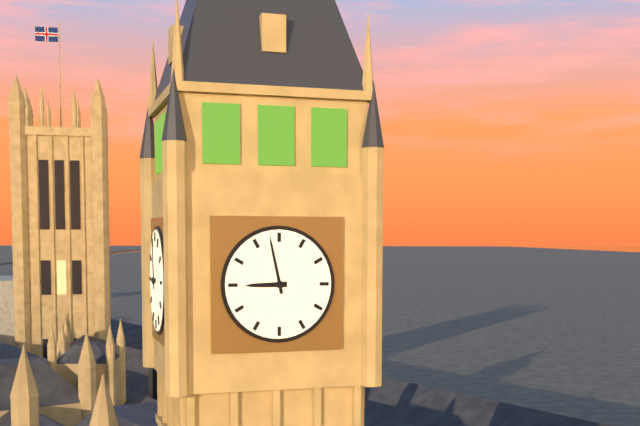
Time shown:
**8:58**
